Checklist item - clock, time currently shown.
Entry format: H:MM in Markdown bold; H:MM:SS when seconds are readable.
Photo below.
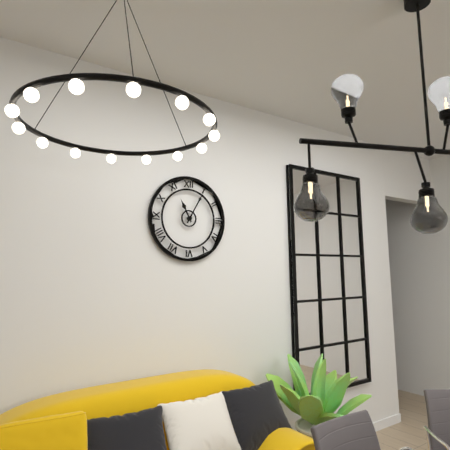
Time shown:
**11:05**
